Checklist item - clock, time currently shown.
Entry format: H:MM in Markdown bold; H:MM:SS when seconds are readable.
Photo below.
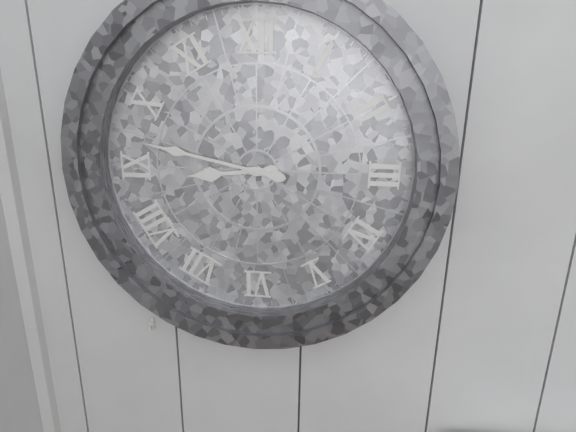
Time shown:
**8:47**
